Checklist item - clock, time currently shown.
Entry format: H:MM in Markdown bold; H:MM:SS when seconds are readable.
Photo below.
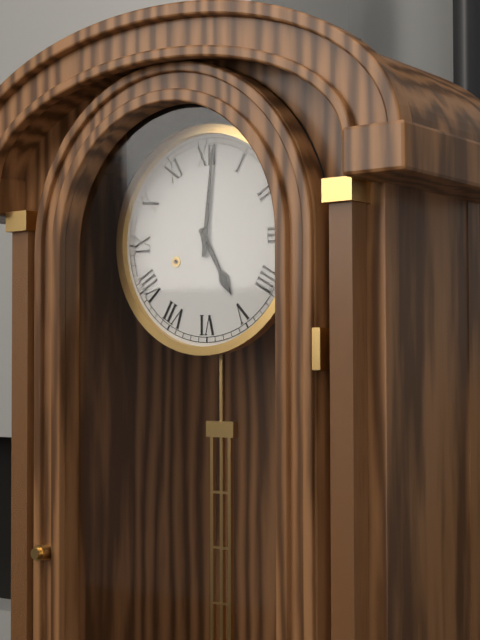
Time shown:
**5:01**
